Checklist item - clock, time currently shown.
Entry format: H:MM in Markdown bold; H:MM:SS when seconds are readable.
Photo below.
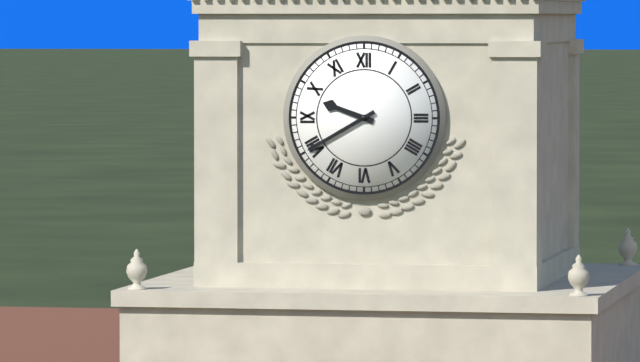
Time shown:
**9:40**
